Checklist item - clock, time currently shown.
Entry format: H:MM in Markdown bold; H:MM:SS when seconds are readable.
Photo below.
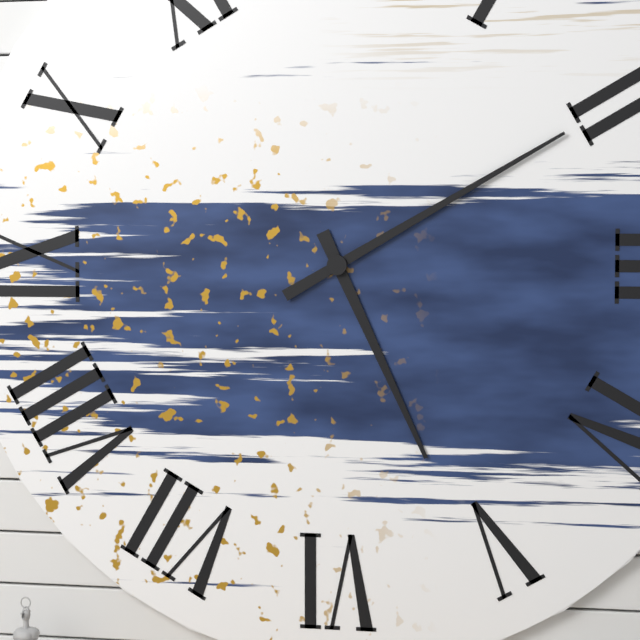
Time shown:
**5:10**
